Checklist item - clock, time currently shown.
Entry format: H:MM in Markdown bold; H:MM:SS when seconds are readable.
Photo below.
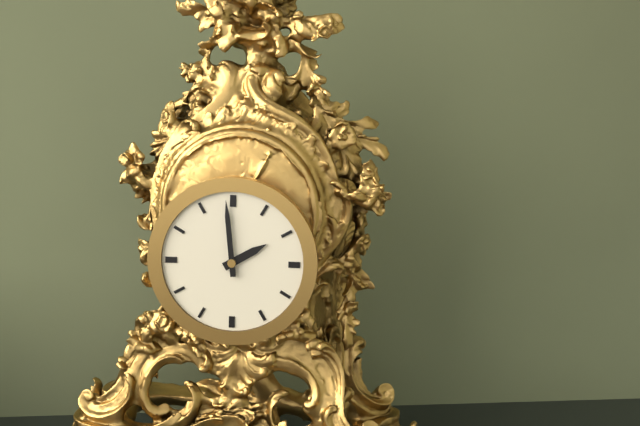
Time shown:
**1:59**
